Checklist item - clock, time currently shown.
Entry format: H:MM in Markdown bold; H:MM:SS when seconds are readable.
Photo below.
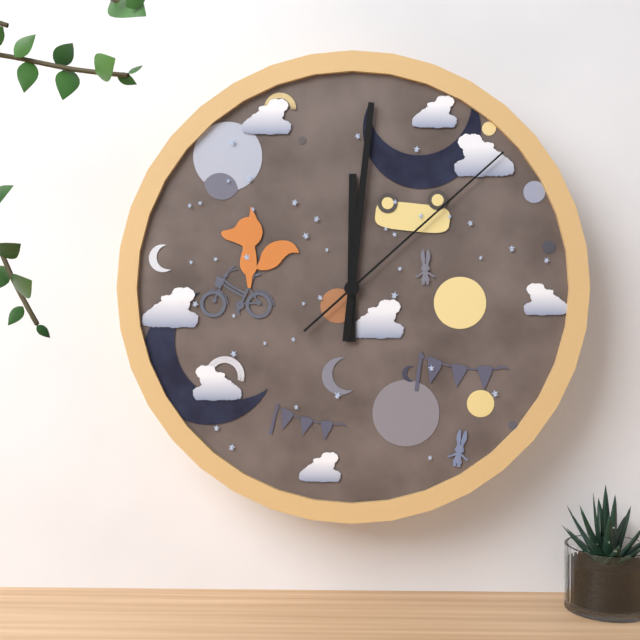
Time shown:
**12:01:08**
